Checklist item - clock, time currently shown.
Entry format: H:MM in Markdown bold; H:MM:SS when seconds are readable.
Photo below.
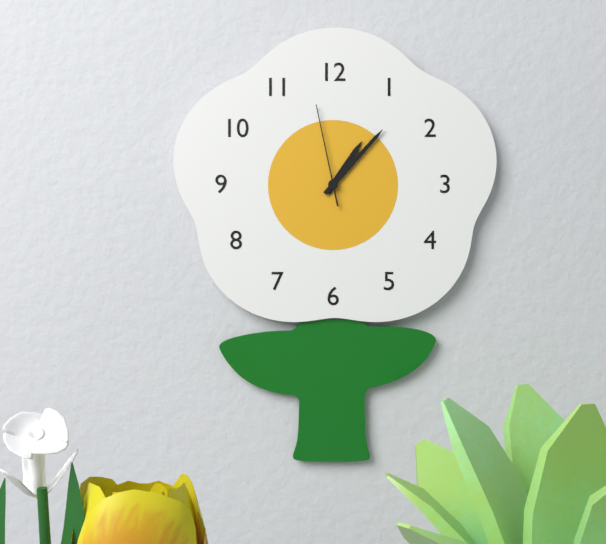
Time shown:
**1:07:58**
